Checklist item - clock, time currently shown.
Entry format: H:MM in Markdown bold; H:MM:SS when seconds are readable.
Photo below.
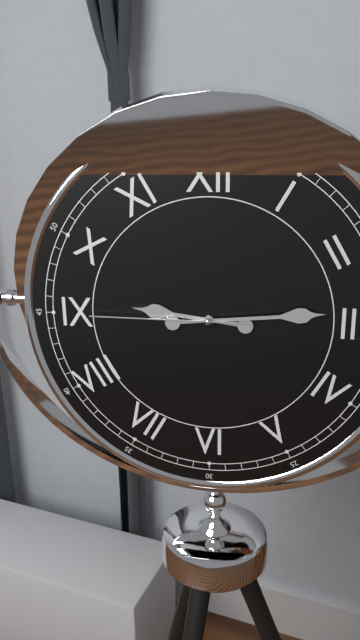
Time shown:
**9:14:45**
